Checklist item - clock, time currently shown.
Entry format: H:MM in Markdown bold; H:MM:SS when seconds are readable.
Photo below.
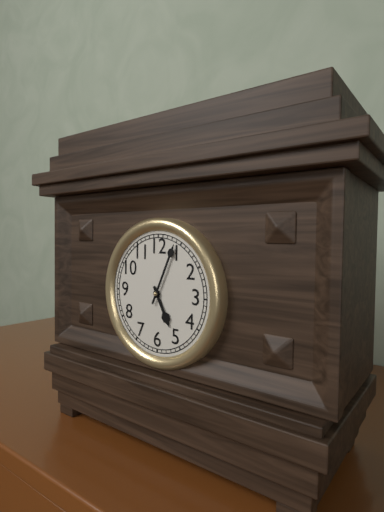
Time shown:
**5:04**
